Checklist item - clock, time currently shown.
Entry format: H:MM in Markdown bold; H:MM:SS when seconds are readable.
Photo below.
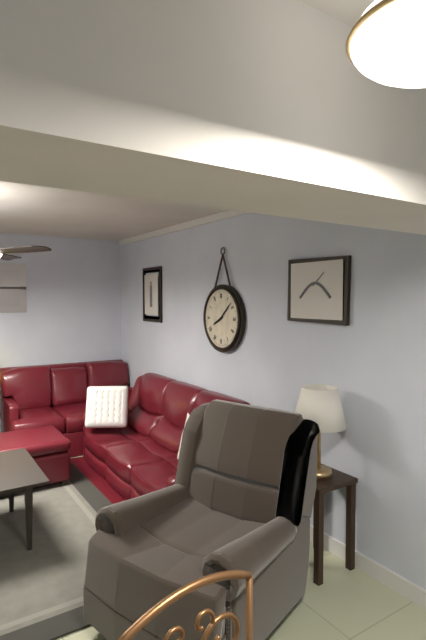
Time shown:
**8:08**
